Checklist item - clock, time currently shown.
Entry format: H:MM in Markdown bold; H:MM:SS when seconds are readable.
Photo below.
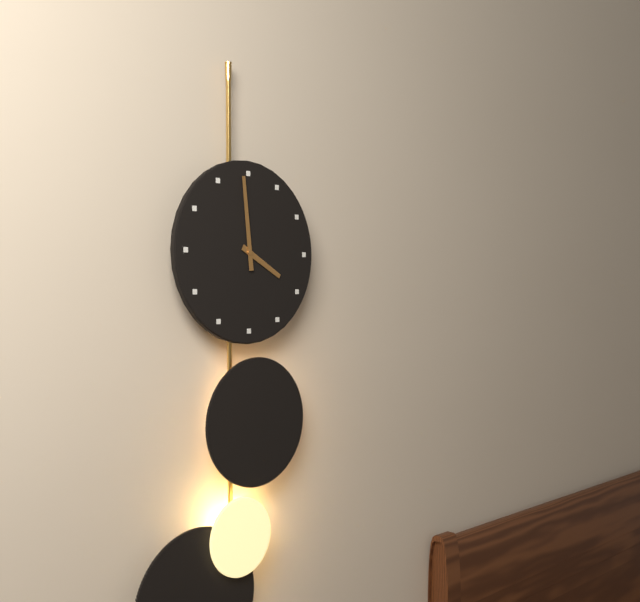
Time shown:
**3:59**
